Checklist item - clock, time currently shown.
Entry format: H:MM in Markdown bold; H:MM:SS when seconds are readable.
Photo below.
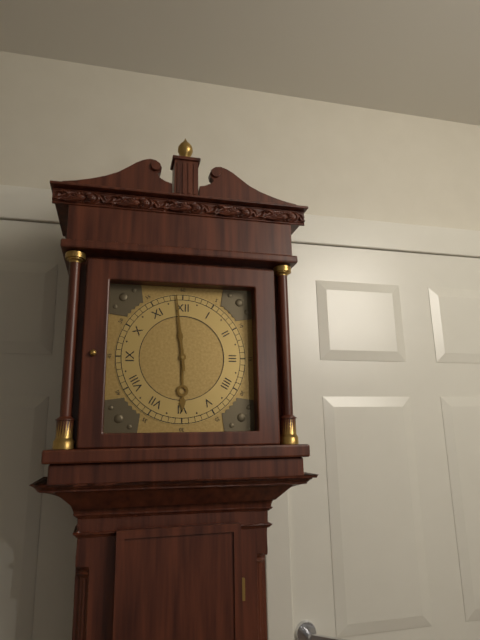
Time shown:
**5:59**
